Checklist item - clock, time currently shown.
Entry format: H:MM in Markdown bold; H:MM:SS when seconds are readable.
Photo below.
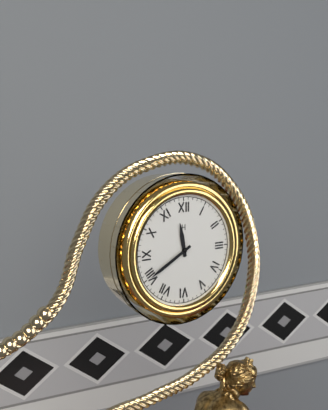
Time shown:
**11:40**
